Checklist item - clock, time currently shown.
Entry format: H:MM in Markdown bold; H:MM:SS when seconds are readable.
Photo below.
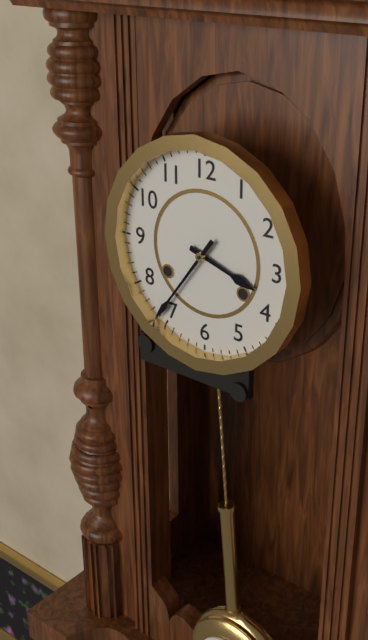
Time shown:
**3:36**
